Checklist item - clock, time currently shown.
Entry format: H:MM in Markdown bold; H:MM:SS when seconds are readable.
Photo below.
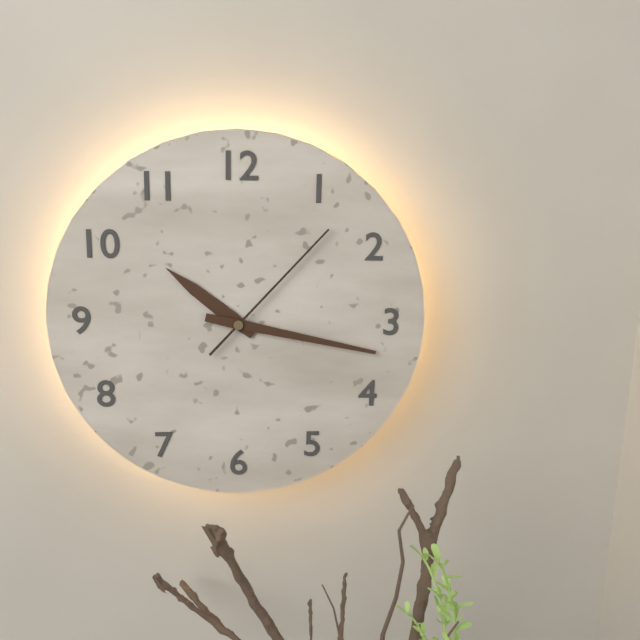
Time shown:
**10:17:07**
